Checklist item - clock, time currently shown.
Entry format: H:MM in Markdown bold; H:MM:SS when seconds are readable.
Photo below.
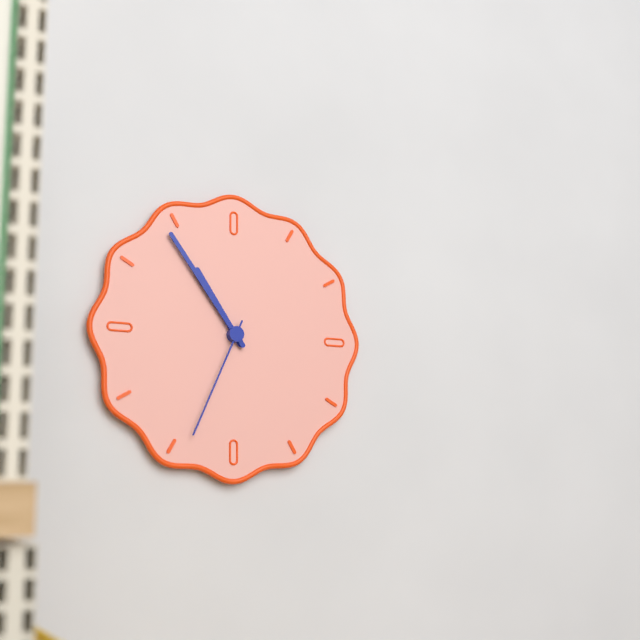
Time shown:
**10:54:34**
